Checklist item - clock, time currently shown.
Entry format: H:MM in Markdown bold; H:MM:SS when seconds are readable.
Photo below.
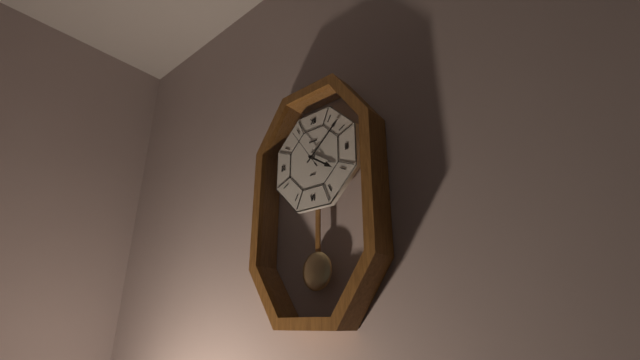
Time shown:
**4:08:54**
